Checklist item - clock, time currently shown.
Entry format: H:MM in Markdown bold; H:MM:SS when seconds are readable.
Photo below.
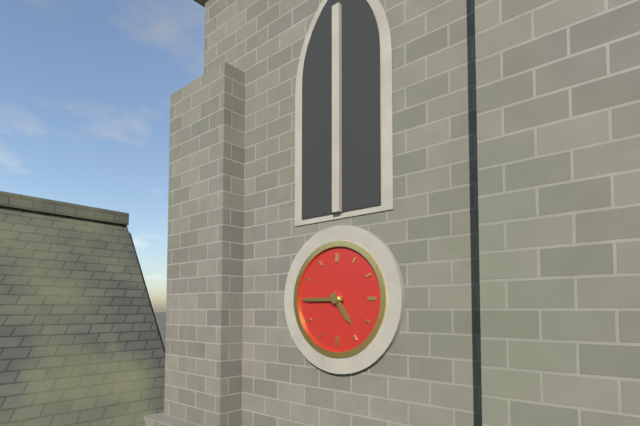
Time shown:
**4:45**
